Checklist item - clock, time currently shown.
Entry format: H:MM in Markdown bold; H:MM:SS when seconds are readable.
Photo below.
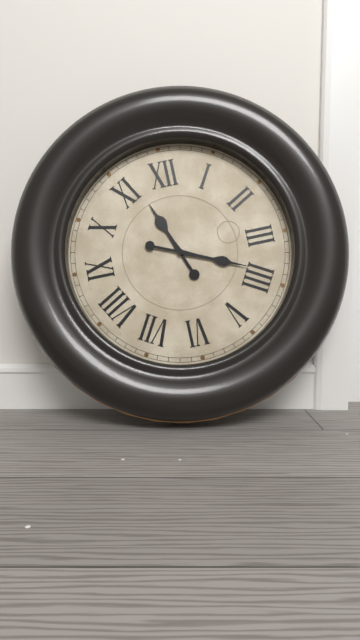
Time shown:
**11:19**
